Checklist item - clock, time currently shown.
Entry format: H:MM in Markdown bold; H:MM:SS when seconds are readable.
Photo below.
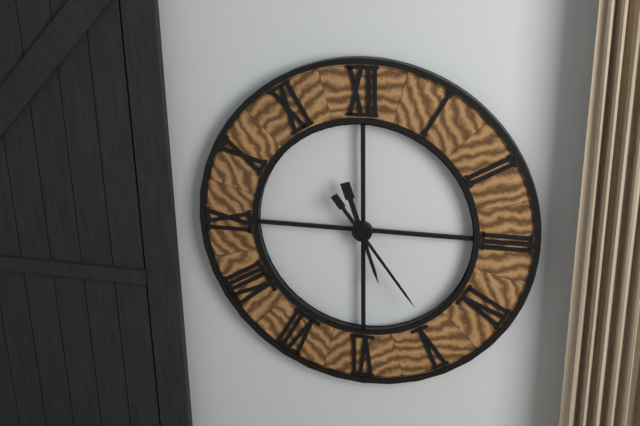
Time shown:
**5:24**
